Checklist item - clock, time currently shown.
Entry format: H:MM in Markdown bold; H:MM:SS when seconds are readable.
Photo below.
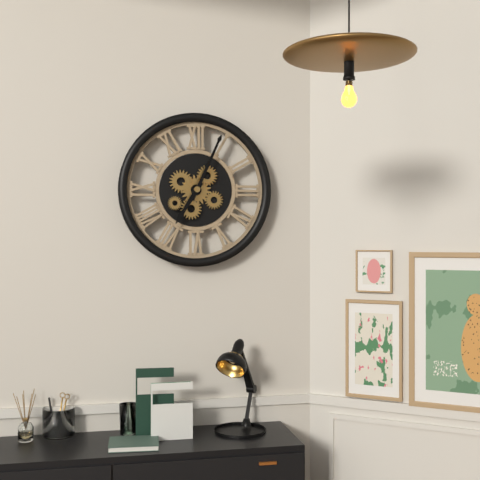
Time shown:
**7:04**
